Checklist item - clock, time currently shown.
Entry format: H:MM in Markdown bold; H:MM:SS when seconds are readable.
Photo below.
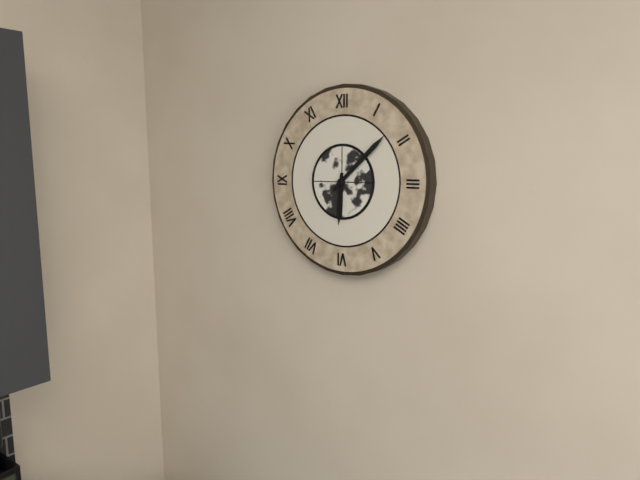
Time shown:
**6:08**
